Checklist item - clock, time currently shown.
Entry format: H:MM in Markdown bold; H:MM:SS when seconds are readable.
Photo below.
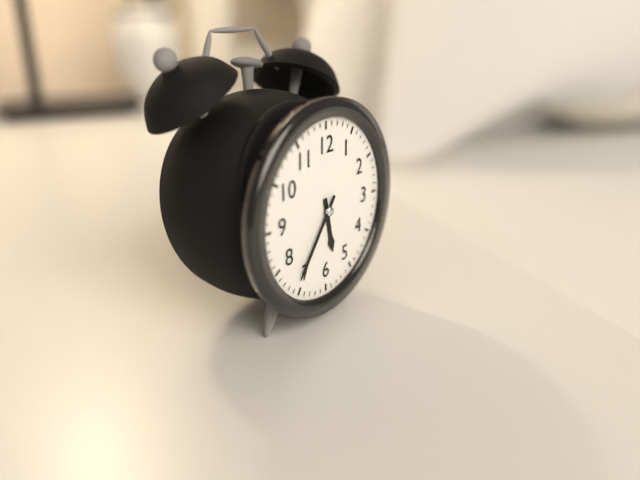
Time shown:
**5:36**
